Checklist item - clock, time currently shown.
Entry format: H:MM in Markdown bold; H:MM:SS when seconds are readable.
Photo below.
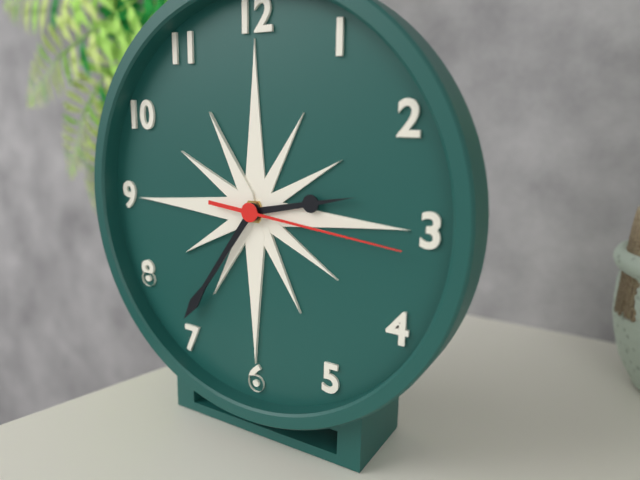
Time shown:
**2:36:16**
